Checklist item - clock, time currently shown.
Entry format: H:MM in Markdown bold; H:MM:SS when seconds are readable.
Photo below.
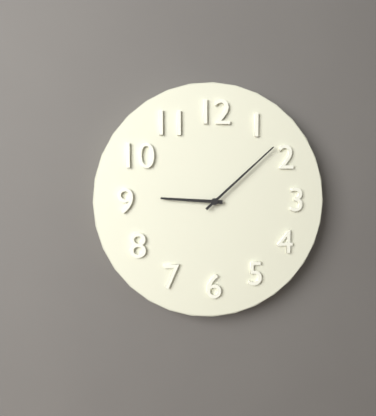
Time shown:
**9:08**
